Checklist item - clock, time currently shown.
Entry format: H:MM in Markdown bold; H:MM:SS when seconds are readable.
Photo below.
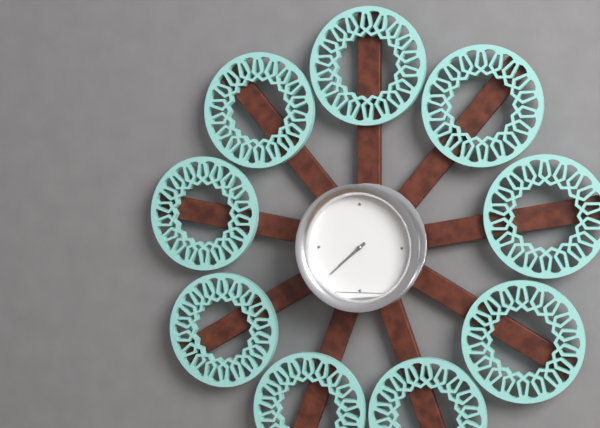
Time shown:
**7:38**
